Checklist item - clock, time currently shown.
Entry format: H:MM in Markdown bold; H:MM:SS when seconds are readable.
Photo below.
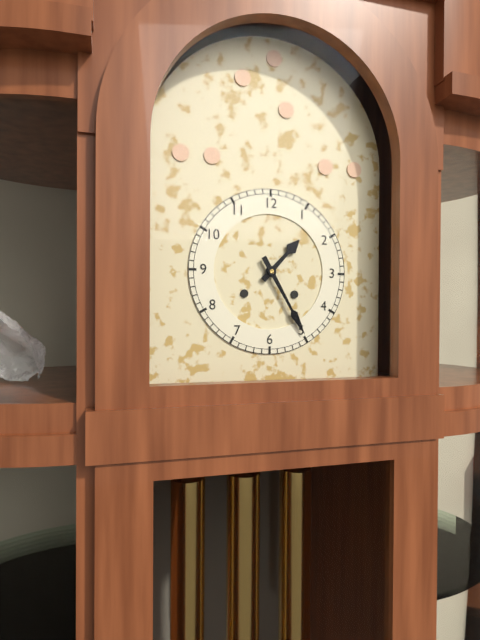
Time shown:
**1:25**
